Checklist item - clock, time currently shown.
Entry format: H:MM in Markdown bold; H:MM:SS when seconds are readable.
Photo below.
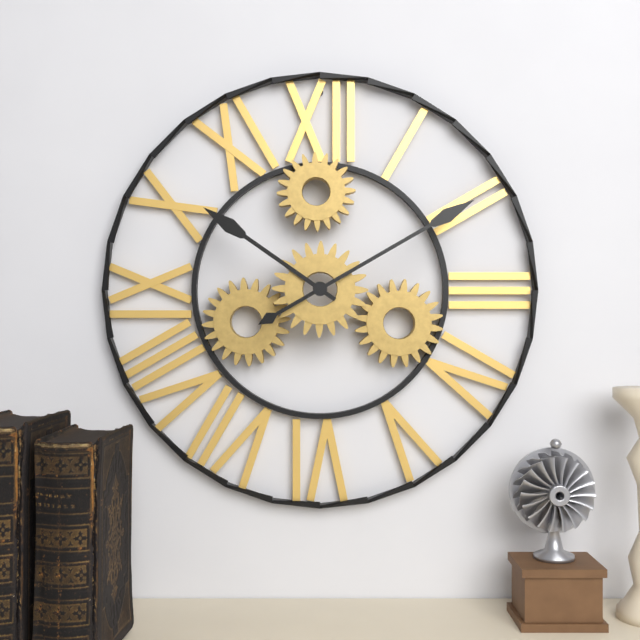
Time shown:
**10:10**
